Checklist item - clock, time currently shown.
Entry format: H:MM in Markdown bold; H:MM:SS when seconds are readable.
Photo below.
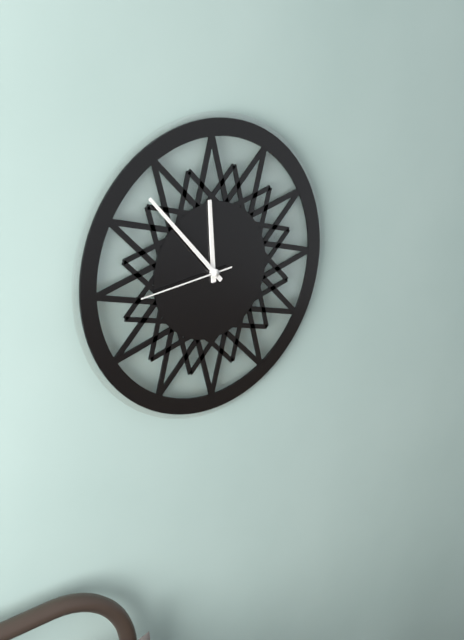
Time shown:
**11:53:44**
